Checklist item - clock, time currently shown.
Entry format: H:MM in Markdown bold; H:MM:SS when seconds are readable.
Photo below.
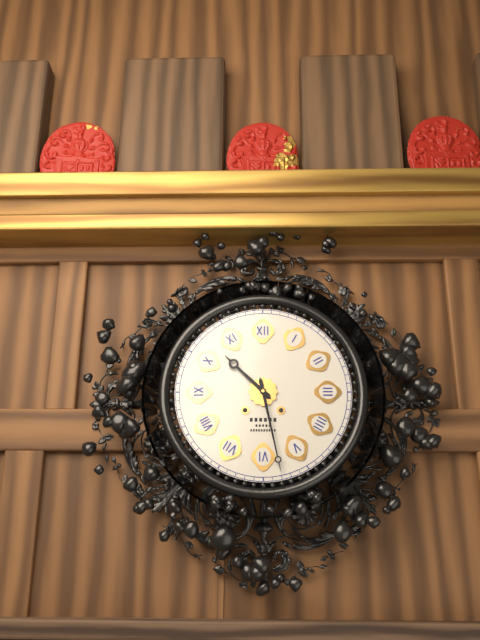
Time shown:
**10:28**
